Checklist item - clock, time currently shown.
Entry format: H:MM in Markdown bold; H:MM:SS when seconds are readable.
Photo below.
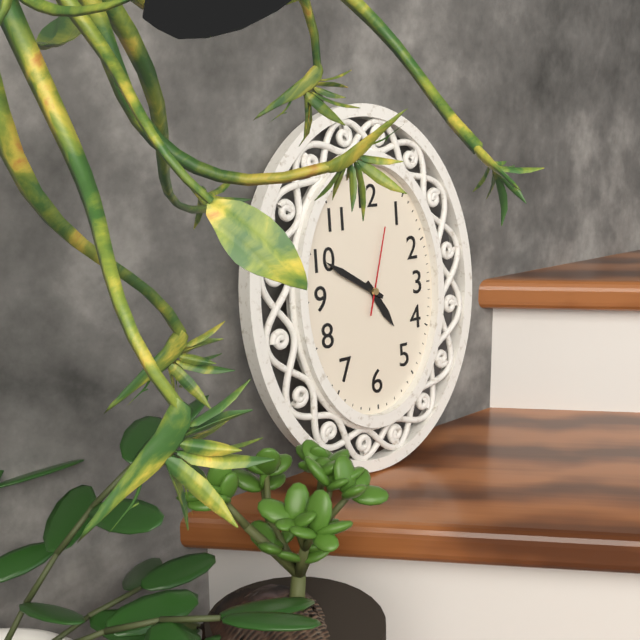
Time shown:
**4:50:03**
